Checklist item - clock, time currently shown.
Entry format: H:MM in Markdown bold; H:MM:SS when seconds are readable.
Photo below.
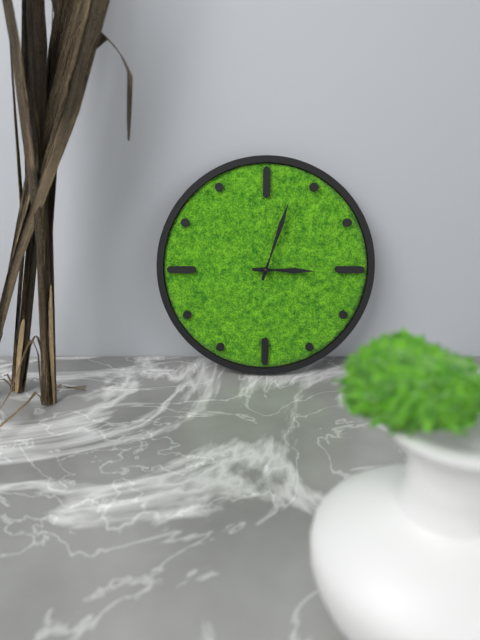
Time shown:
**3:03**
